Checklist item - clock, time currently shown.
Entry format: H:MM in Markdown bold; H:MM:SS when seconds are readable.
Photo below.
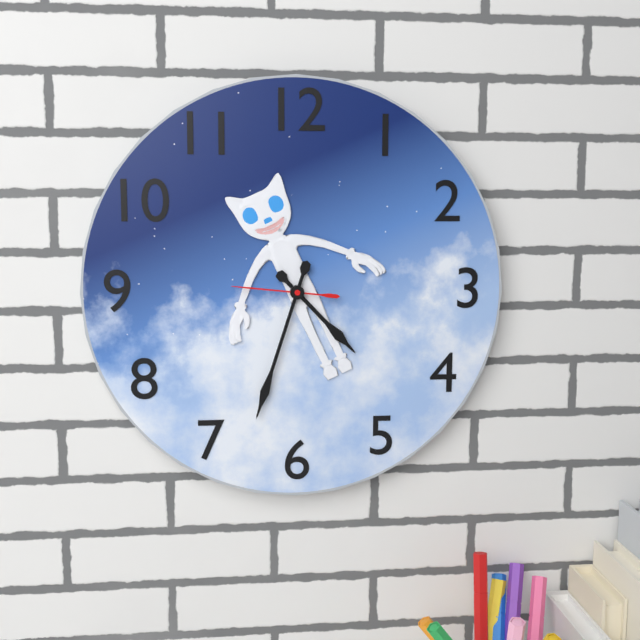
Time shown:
**4:33:46**
